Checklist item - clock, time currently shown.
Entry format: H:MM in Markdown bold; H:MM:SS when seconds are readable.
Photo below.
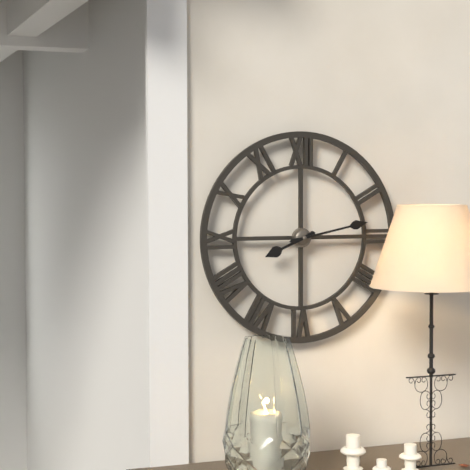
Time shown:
**8:13**
